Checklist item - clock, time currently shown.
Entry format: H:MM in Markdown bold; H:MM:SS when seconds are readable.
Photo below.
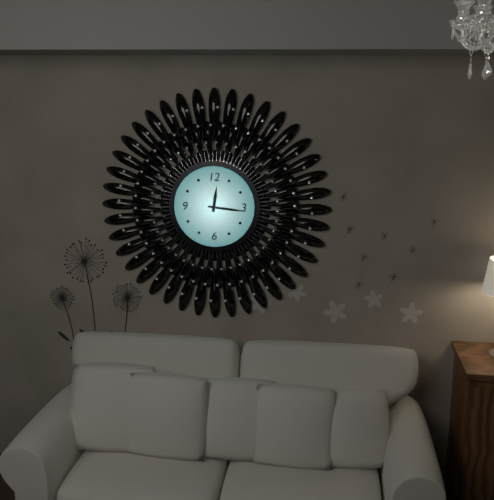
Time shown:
**12:16**
